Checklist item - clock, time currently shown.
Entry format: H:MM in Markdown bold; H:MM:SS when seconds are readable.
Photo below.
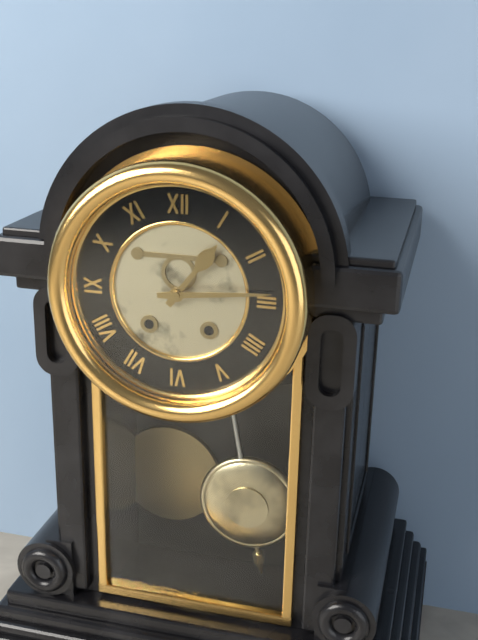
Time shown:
**1:14**
